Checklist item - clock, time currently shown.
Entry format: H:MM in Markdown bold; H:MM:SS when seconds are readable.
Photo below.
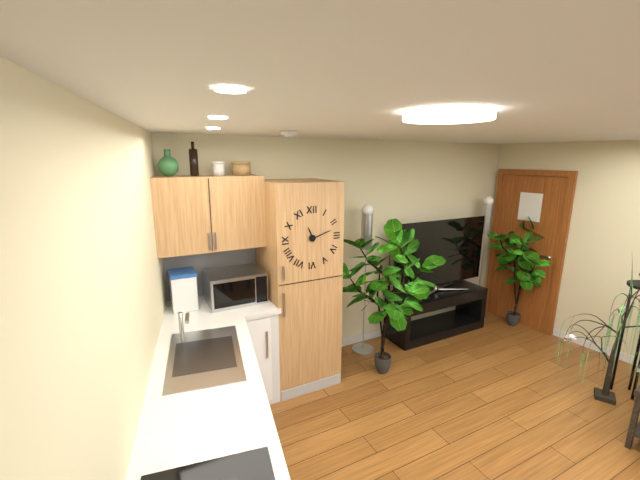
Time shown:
**11:12**
